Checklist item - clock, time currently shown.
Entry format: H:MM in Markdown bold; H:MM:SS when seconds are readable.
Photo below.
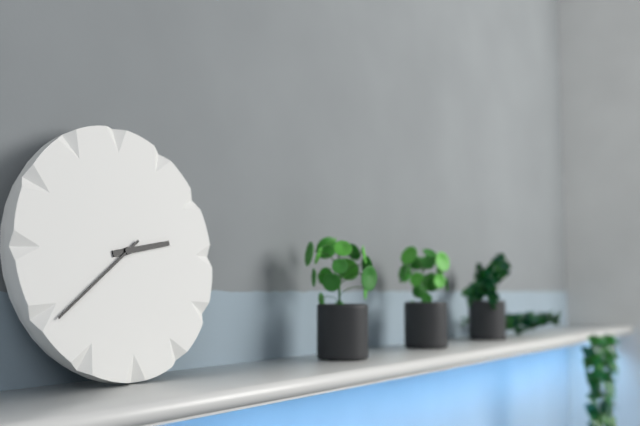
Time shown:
**2:39**
